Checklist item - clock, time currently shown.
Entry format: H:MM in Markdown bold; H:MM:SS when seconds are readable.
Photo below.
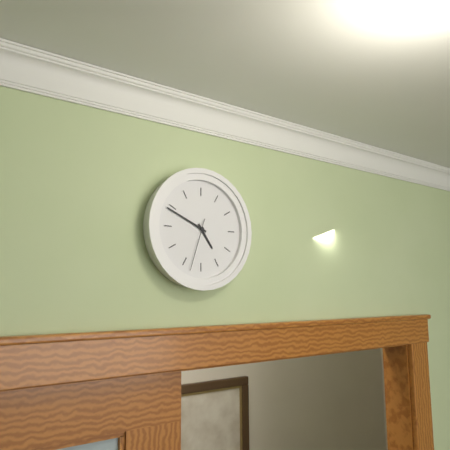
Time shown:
**4:49:33**
